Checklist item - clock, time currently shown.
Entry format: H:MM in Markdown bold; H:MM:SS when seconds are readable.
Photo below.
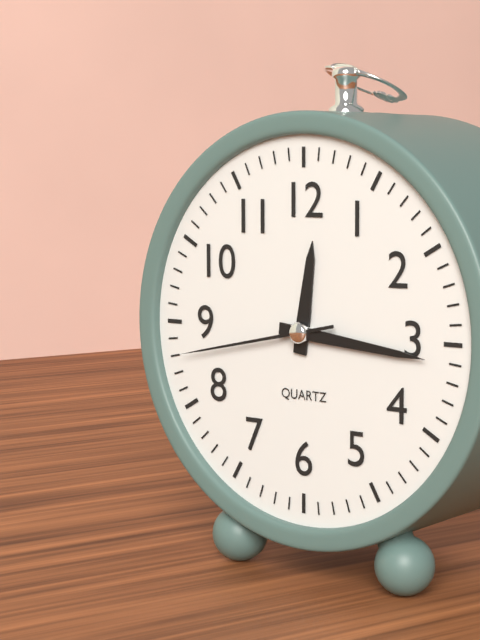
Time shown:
**12:16:43**
